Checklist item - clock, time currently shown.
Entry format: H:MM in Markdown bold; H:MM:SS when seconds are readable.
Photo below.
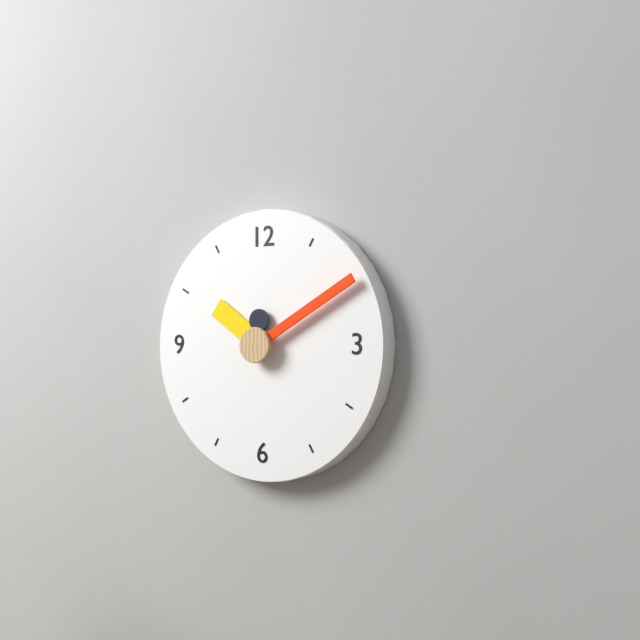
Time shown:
**10:10**
